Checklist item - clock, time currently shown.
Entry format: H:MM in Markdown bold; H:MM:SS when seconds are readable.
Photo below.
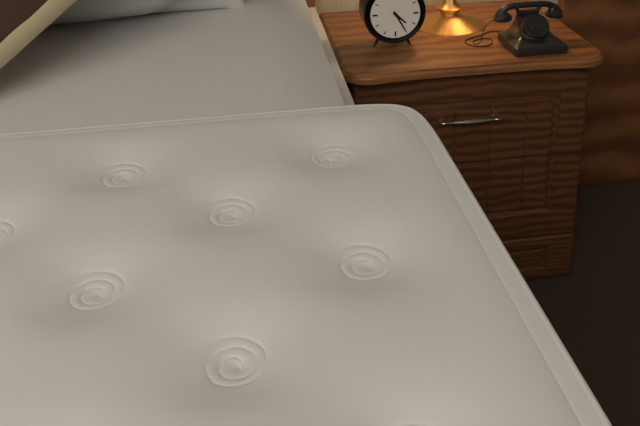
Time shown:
**4:25**
